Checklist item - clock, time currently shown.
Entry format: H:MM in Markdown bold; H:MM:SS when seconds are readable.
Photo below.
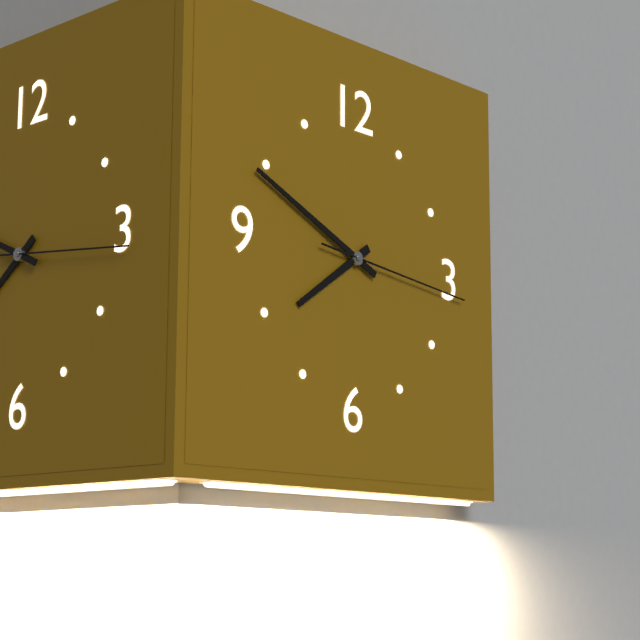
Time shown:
**7:49:16**
